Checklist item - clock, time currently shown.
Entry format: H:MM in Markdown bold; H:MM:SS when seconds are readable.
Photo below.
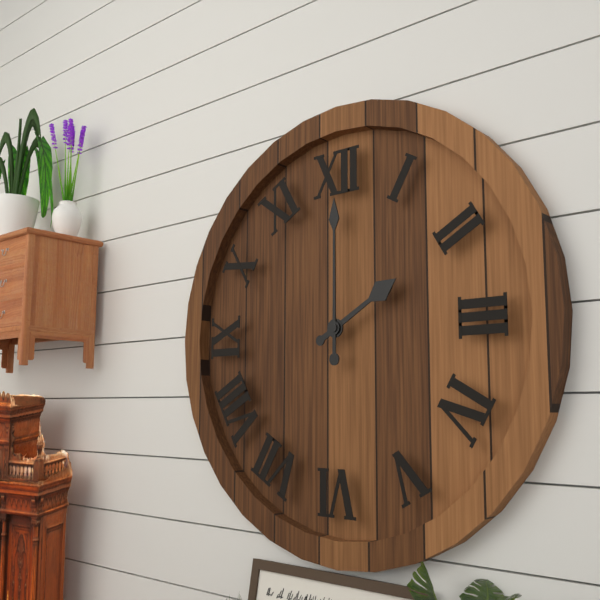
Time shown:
**2:00**
